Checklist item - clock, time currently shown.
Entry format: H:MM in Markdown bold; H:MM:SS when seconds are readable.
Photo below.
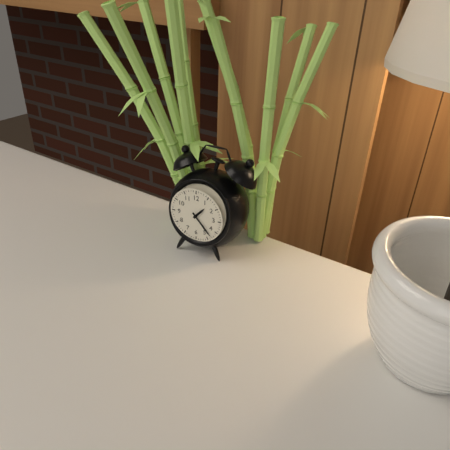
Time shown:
**1:23**
